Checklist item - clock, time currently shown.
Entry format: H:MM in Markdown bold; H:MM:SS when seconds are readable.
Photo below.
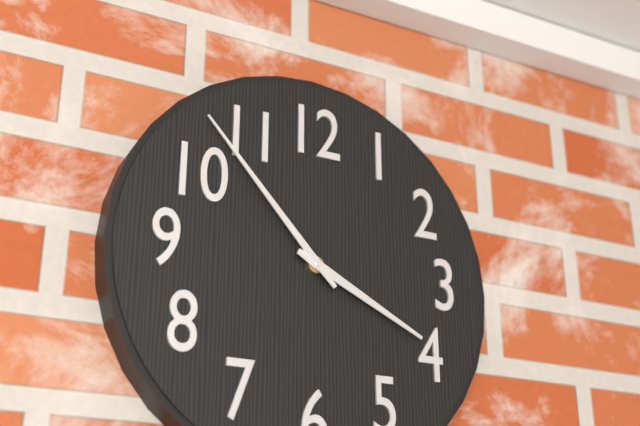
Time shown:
**3:53**
